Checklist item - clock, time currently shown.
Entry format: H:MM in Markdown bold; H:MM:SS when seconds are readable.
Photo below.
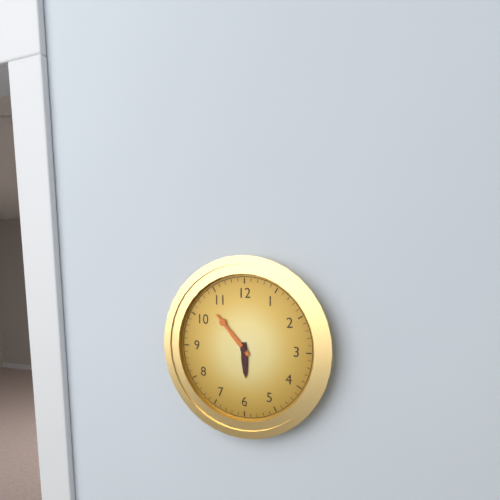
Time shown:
**5:53**
